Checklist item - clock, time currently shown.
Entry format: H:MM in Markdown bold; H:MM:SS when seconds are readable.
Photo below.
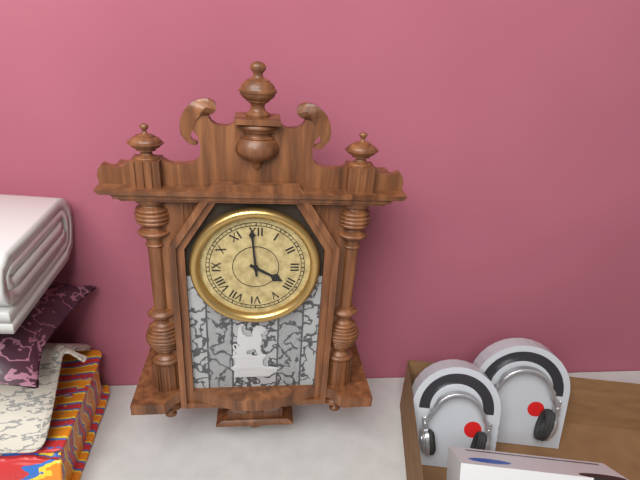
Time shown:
**3:59**
